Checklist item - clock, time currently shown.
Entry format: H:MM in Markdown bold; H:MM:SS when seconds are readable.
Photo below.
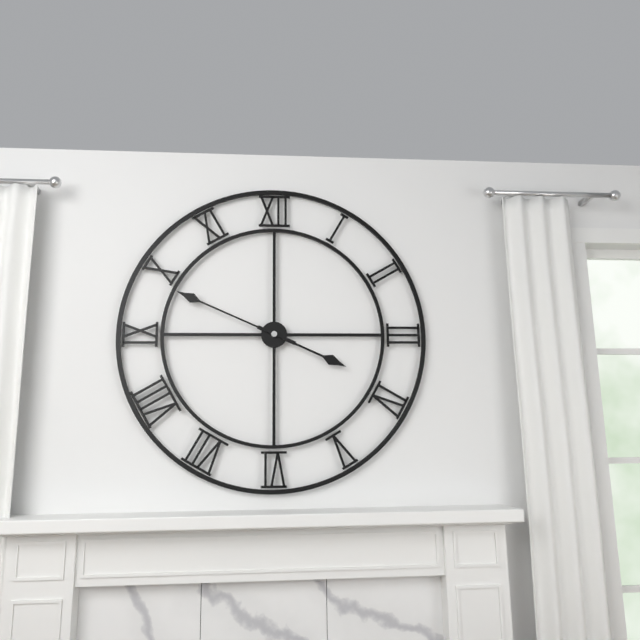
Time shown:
**3:49**
